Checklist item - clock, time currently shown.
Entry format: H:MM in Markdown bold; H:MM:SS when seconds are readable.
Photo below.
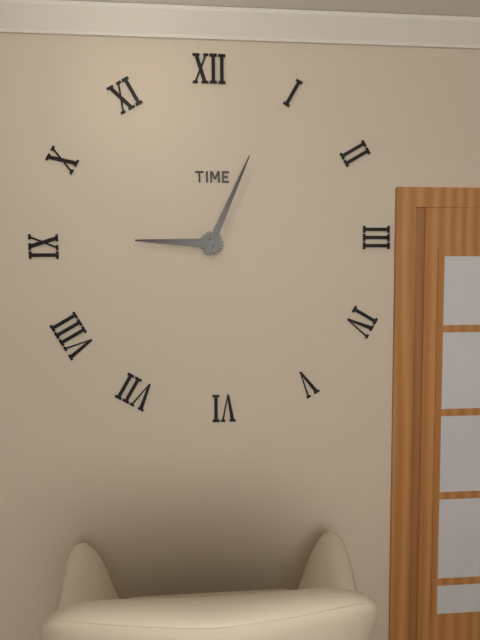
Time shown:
**9:04**
